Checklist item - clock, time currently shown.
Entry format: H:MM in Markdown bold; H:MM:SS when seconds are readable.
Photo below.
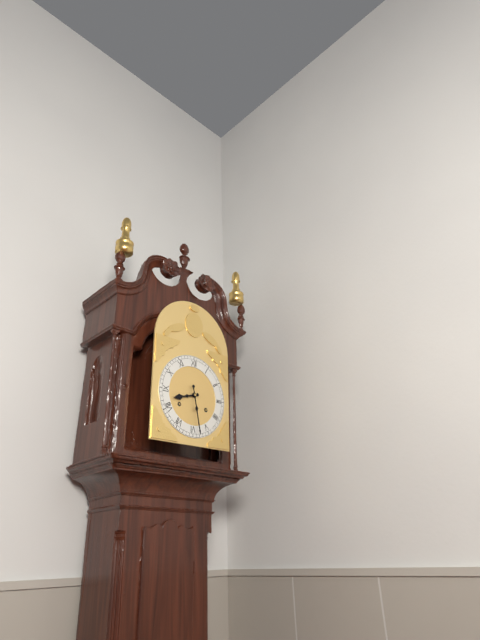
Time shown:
**8:28**
